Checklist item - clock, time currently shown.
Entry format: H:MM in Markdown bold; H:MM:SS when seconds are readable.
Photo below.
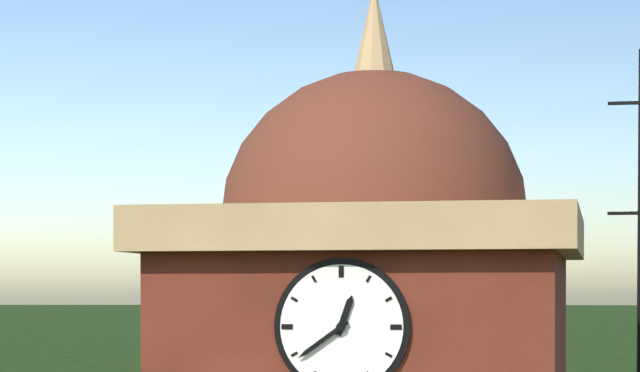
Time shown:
**12:39**
